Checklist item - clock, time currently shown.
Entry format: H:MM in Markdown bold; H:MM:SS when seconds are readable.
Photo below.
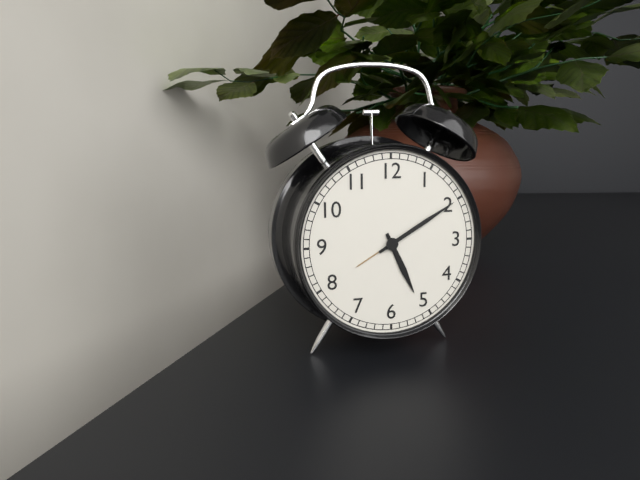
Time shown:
**5:10**
